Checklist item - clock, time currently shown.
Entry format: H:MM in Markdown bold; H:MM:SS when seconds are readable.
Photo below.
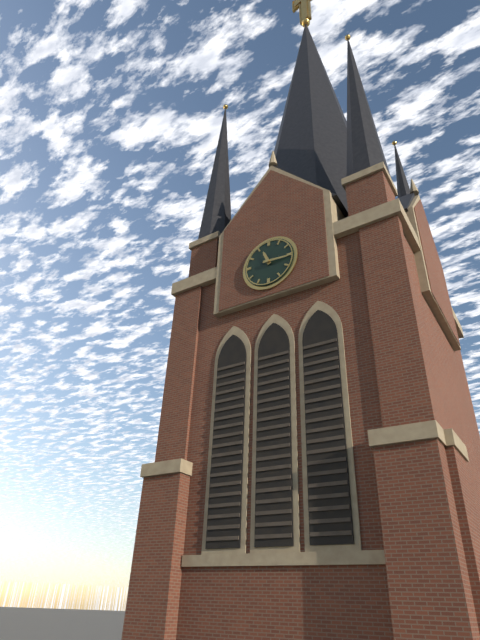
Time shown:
**11:16**
